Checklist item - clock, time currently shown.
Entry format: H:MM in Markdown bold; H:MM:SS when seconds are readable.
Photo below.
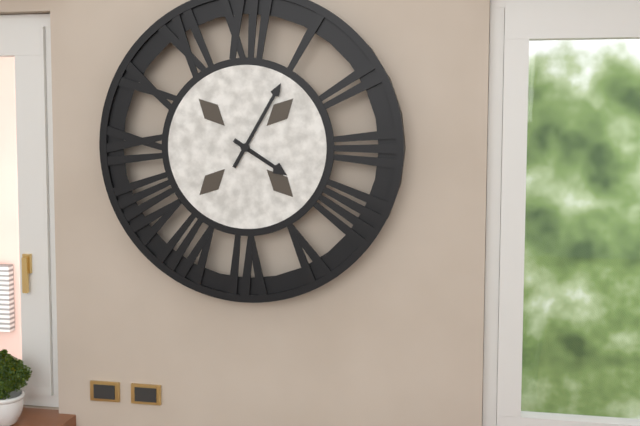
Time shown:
**4:05**
